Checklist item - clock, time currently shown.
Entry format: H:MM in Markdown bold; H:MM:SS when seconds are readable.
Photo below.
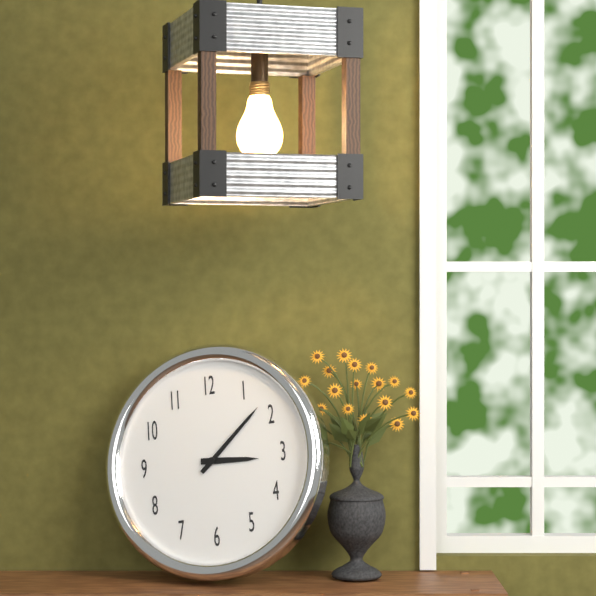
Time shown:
**3:08**
